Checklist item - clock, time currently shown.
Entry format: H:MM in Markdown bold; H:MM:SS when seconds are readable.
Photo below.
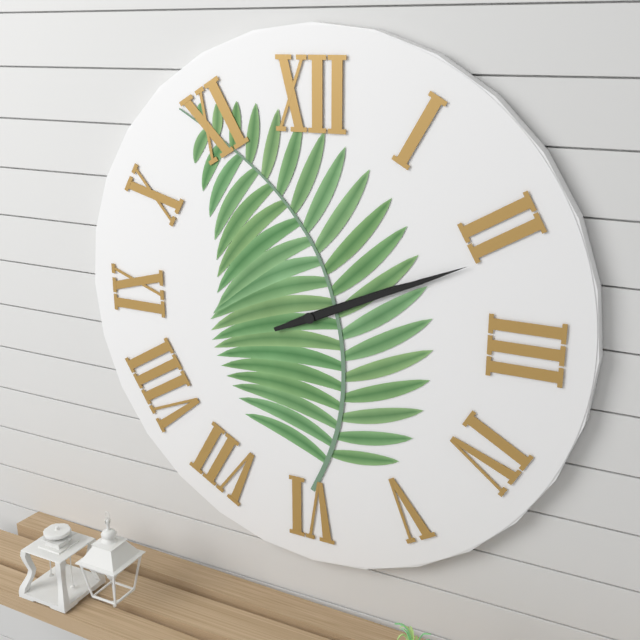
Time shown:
**2:11**
